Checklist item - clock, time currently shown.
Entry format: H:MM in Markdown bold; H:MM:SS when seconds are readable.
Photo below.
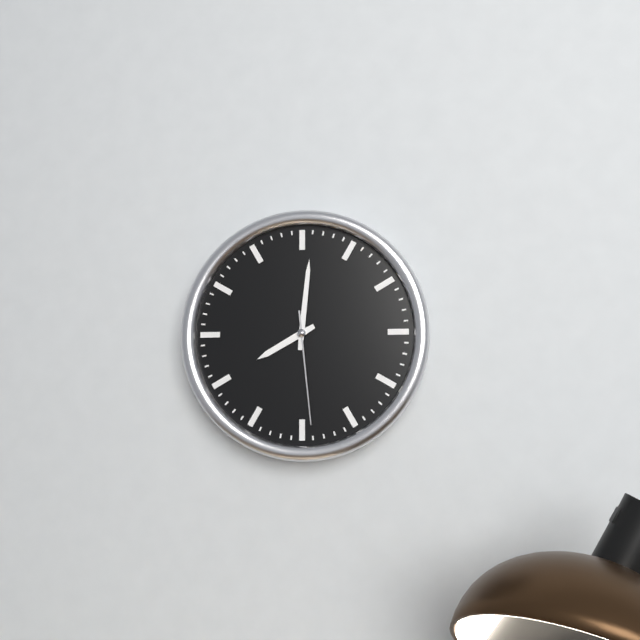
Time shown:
**8:01:29**
